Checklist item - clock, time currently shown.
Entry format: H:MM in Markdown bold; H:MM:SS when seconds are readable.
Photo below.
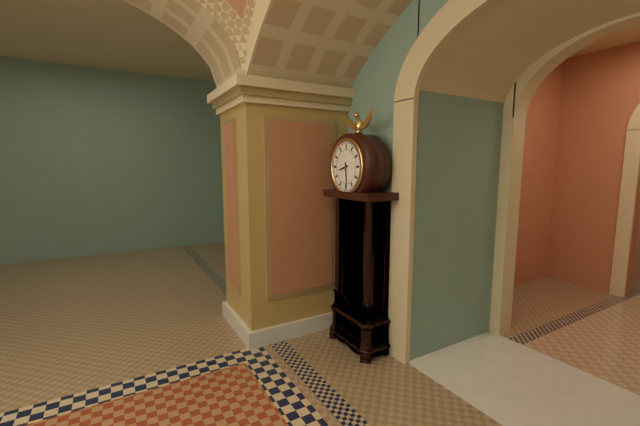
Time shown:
**8:29**
